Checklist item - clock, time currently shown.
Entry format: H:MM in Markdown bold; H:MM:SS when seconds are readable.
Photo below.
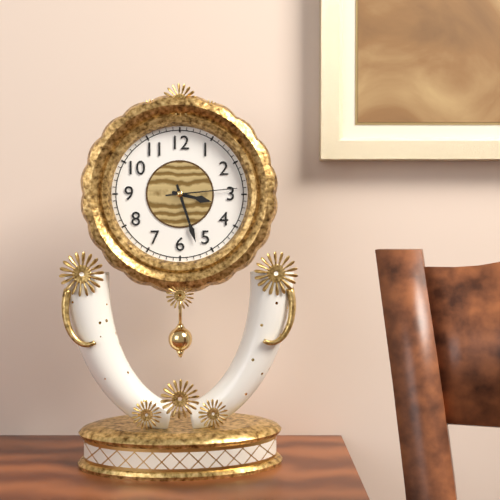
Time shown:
**3:27:14**
